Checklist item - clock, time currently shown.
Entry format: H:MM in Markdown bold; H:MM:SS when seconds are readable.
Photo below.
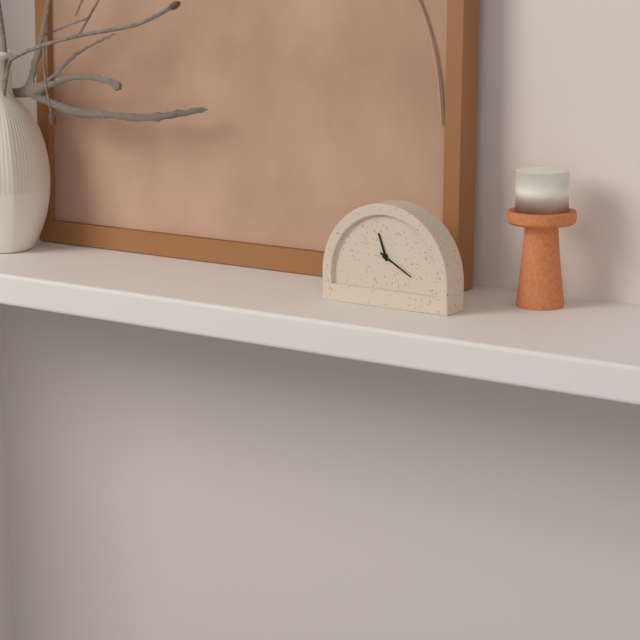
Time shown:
**11:20**
